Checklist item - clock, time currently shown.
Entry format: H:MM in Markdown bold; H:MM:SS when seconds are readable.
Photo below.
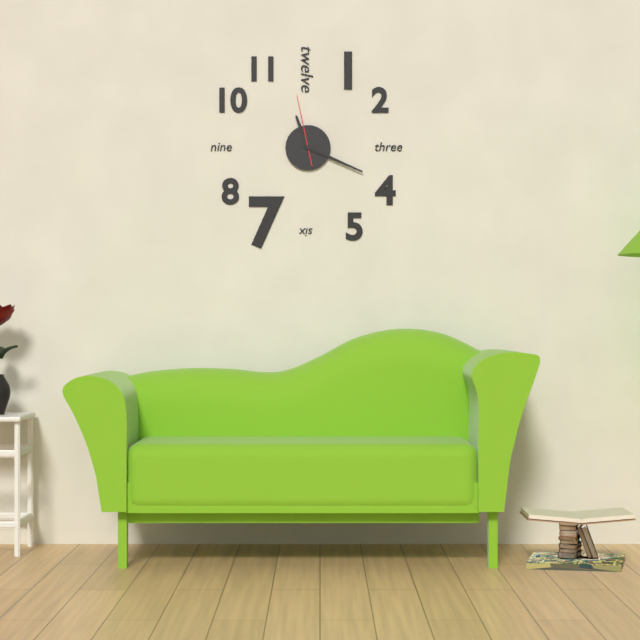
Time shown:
**11:19:58**
